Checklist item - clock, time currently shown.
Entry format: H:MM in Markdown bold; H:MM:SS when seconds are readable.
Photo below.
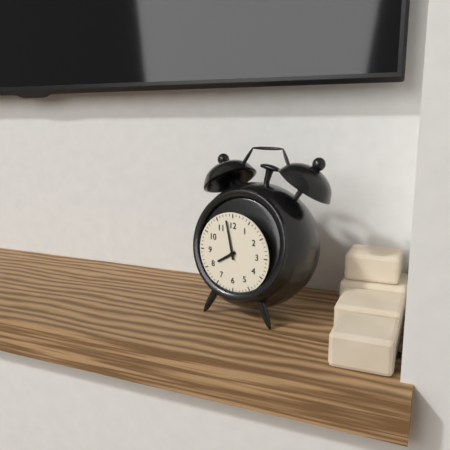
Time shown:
**7:58**
